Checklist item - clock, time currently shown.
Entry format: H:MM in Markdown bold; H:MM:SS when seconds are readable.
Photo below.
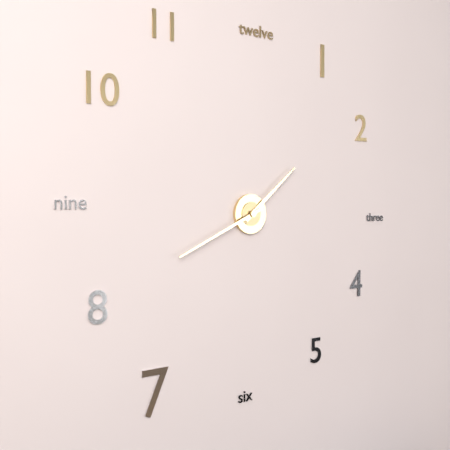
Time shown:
**1:41**
